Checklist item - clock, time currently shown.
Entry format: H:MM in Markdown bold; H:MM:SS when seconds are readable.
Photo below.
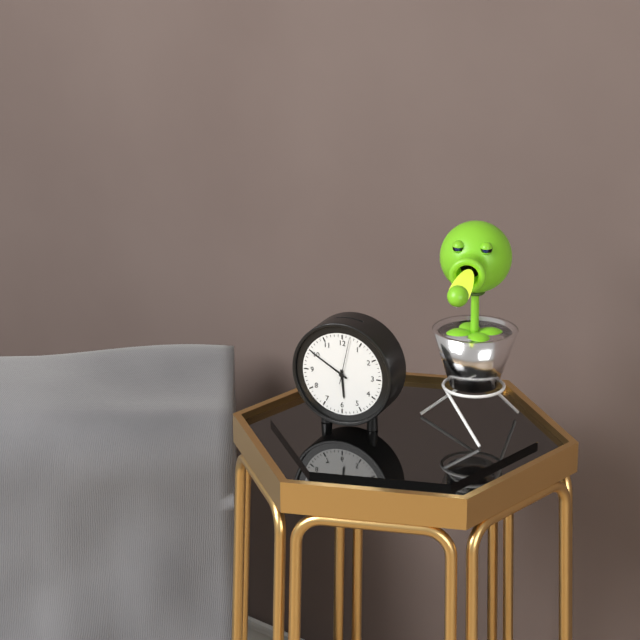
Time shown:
**5:50**
